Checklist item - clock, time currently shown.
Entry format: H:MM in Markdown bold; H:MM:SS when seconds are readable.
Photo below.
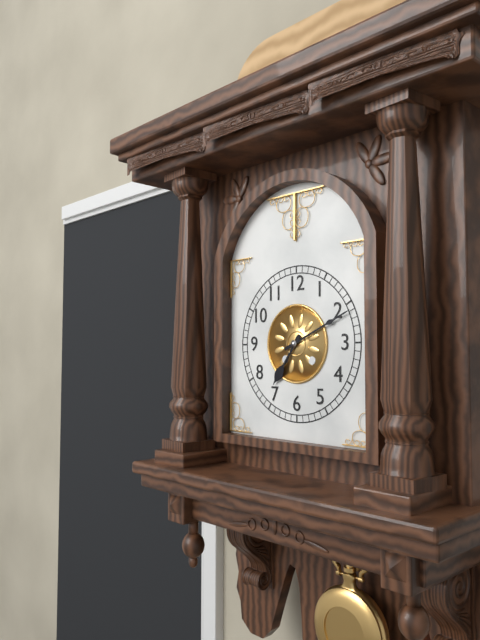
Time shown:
**7:11**
